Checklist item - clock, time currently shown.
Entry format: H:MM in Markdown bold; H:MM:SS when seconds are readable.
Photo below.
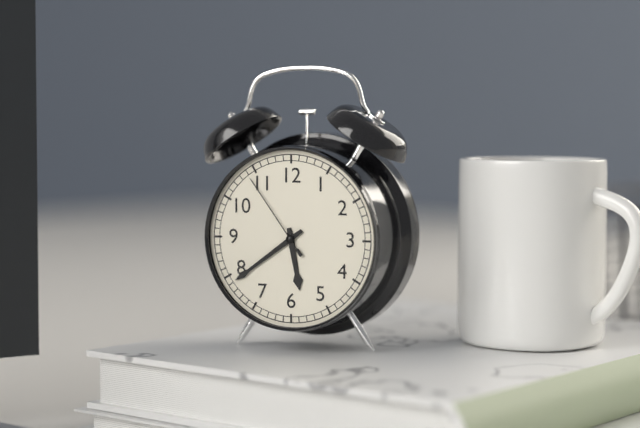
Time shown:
**5:39:54**
